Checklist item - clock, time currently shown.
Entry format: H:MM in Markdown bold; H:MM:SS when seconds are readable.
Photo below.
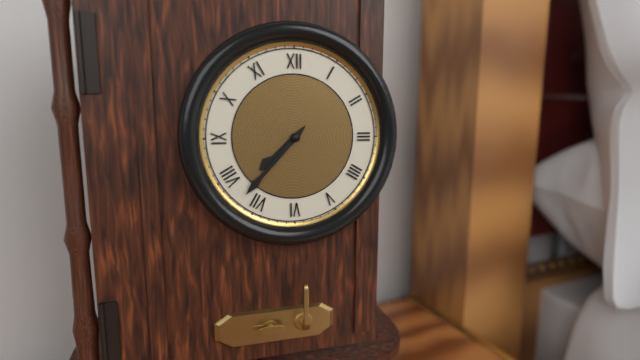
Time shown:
**7:37**
